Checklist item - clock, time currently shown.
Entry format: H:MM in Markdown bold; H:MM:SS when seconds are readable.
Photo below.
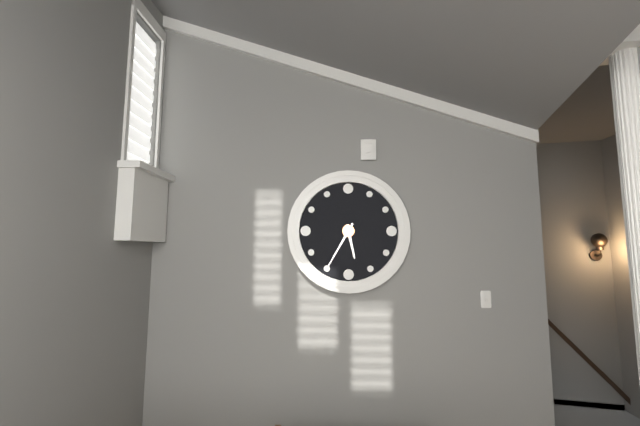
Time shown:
**5:35**
